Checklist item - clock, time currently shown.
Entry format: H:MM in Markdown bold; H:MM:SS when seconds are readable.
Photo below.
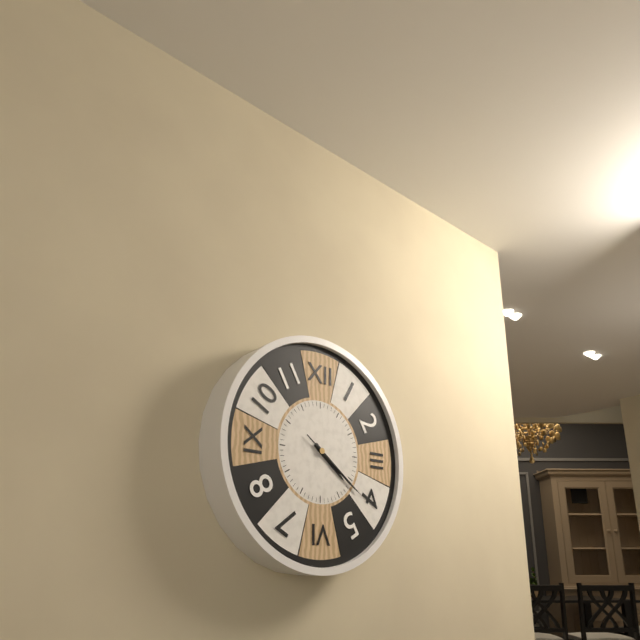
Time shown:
**4:21:21**
